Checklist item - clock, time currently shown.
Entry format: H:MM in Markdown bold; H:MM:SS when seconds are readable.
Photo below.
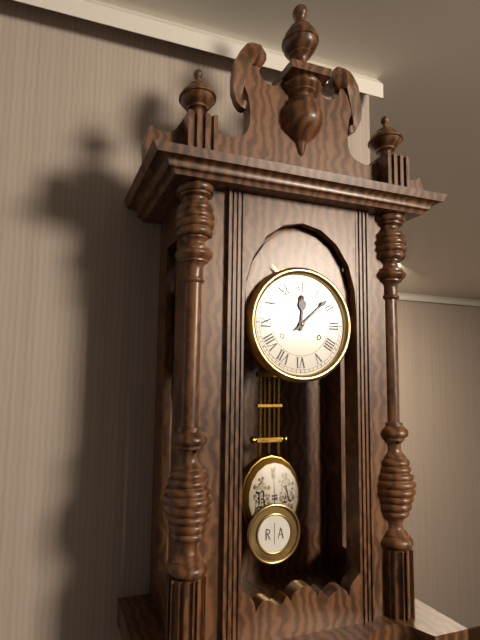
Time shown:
**12:08**
